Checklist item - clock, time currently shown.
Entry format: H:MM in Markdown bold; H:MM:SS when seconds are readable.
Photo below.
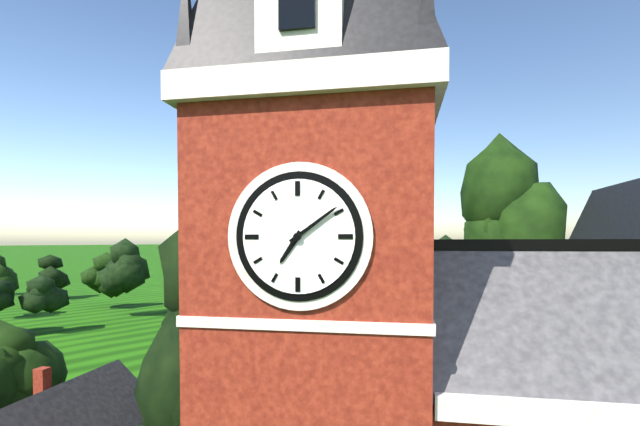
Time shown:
**7:09**
